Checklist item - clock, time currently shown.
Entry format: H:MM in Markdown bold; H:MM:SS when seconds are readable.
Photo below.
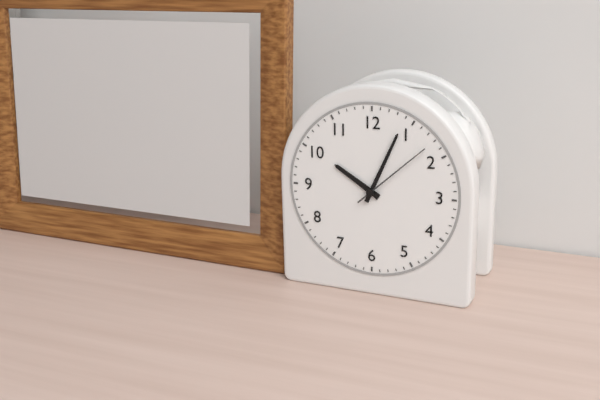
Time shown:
**10:04:08**
